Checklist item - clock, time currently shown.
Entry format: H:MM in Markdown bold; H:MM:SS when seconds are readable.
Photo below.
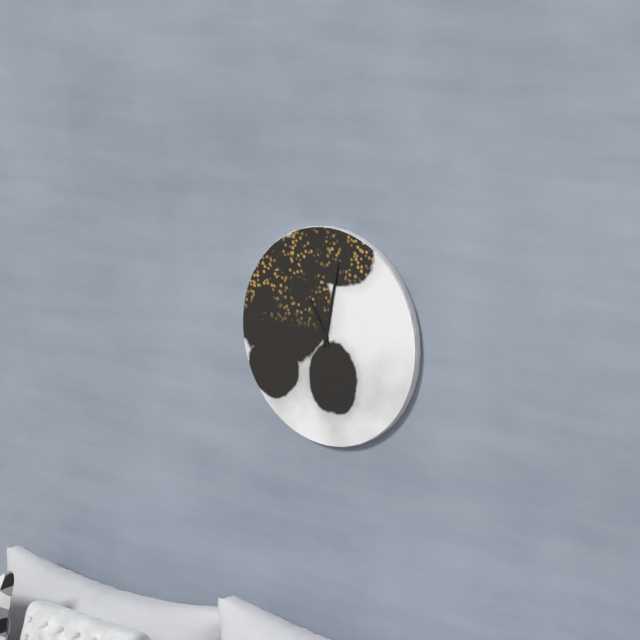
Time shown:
**11:02**
